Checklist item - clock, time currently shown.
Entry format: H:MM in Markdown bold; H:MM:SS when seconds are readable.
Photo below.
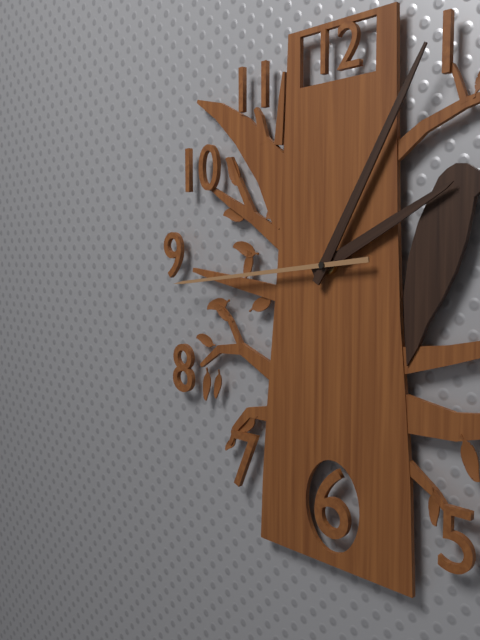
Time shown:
**2:05:44**
